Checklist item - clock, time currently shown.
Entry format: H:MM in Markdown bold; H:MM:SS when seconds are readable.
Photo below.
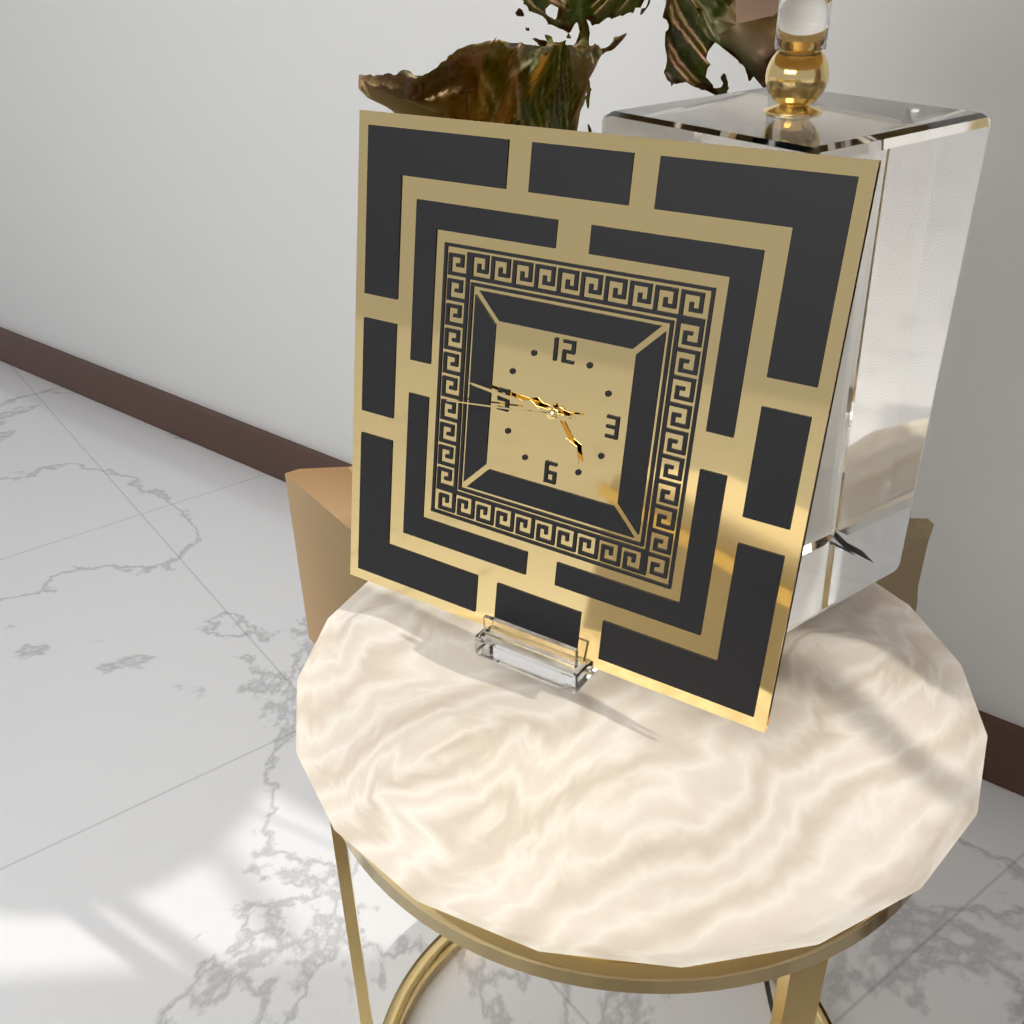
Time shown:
**4:46:44**
